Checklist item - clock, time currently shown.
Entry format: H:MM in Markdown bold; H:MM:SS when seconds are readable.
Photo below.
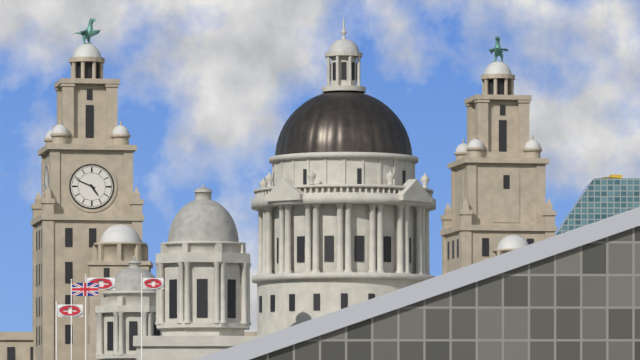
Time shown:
**4:49**
